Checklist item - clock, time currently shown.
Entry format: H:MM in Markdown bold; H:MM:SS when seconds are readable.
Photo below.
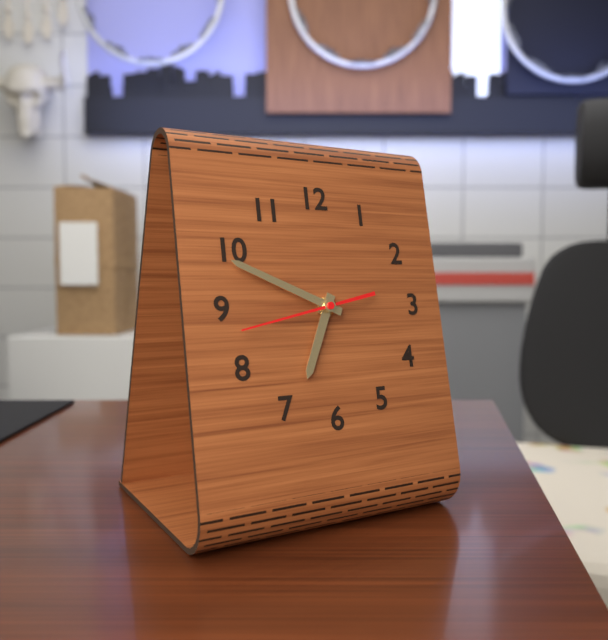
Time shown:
**6:49:43**
